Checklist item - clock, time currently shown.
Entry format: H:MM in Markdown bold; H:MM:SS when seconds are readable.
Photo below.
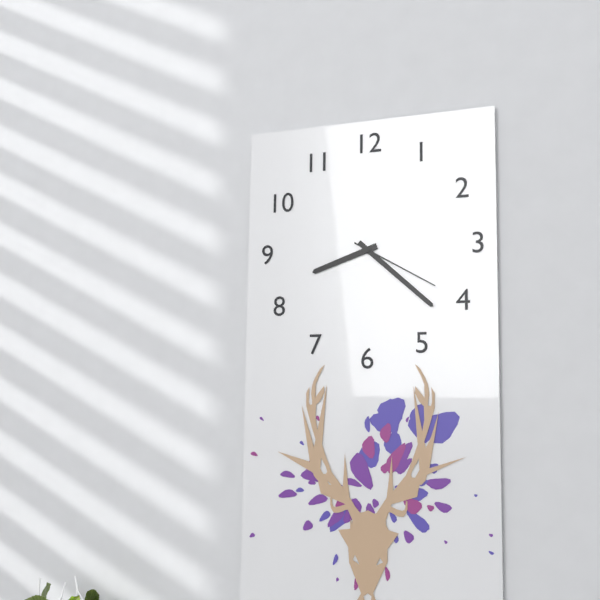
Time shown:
**8:22:20**
